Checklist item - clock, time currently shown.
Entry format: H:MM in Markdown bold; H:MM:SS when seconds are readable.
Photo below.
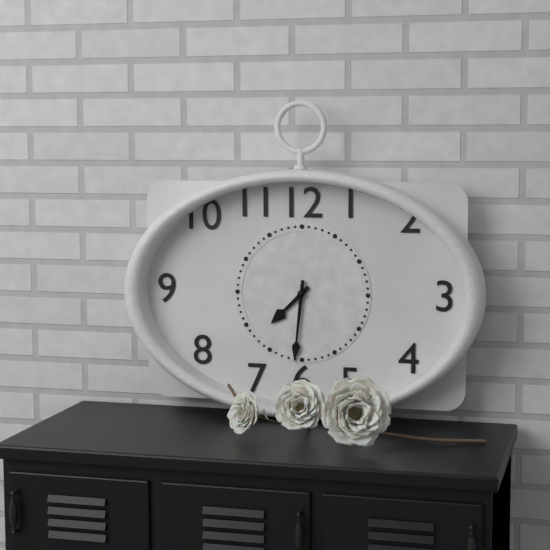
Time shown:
**7:31**
